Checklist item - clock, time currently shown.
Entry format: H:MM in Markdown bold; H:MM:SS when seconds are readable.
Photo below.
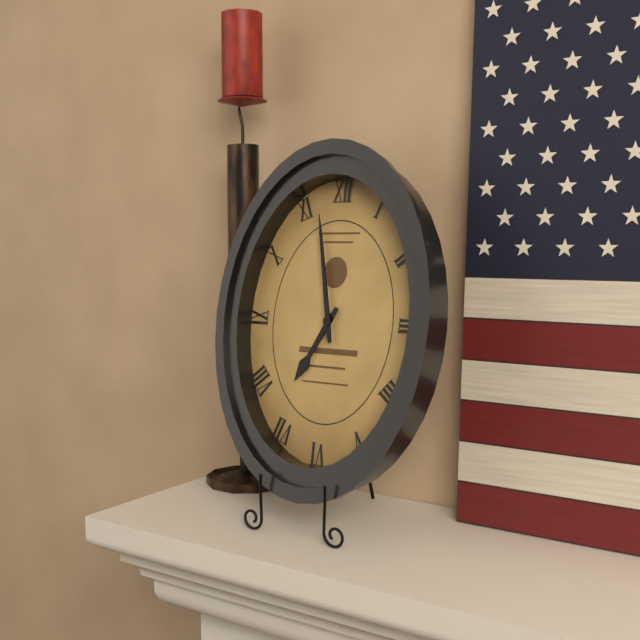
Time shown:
**6:58**
